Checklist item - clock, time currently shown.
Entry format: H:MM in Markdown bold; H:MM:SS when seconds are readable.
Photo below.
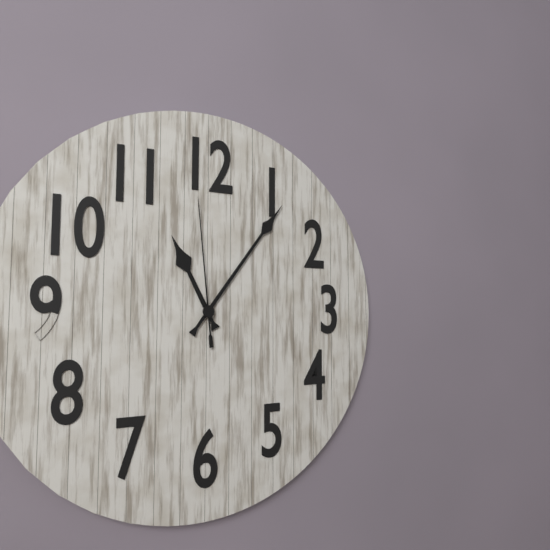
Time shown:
**11:06:59**
